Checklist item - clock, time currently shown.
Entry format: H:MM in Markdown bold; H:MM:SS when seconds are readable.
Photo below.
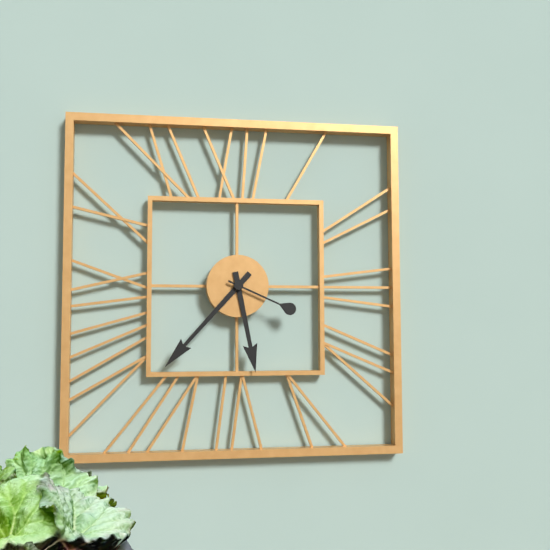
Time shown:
**5:37:19**
